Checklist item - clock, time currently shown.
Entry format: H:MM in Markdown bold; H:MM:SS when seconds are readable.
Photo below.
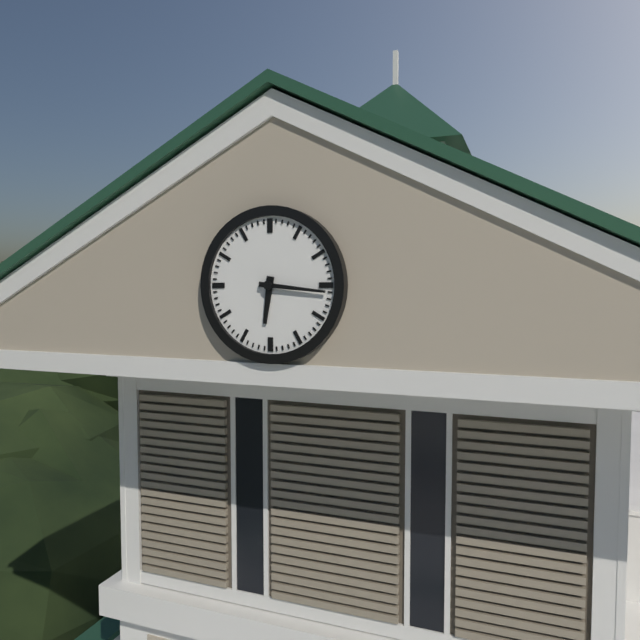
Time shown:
**6:16**
